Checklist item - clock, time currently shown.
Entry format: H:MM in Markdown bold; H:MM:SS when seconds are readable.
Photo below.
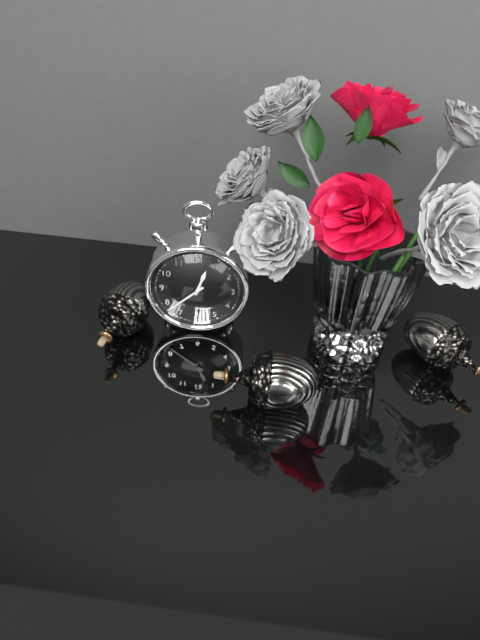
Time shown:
**12:38**
